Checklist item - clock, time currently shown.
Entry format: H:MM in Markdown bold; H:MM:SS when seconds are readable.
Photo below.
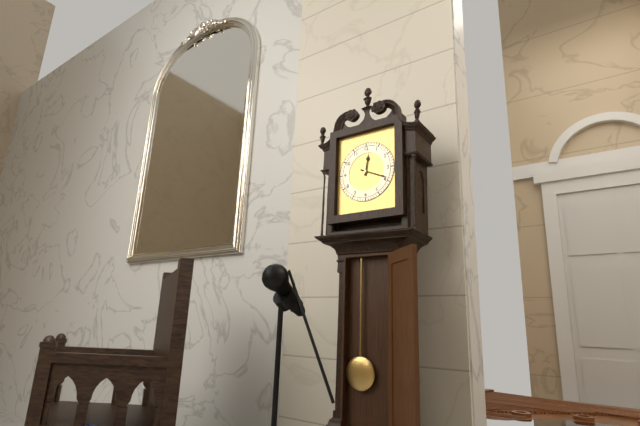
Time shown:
**12:19**
